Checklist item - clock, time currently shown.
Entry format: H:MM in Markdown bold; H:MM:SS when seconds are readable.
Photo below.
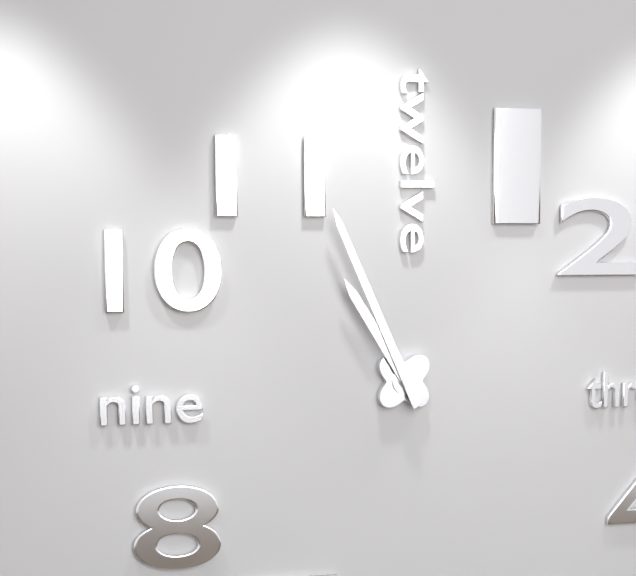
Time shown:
**10:56**
